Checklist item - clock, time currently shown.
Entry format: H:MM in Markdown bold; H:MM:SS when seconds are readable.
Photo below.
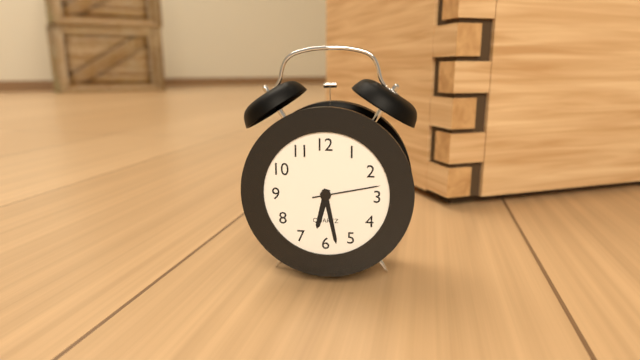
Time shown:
**6:28:13**
